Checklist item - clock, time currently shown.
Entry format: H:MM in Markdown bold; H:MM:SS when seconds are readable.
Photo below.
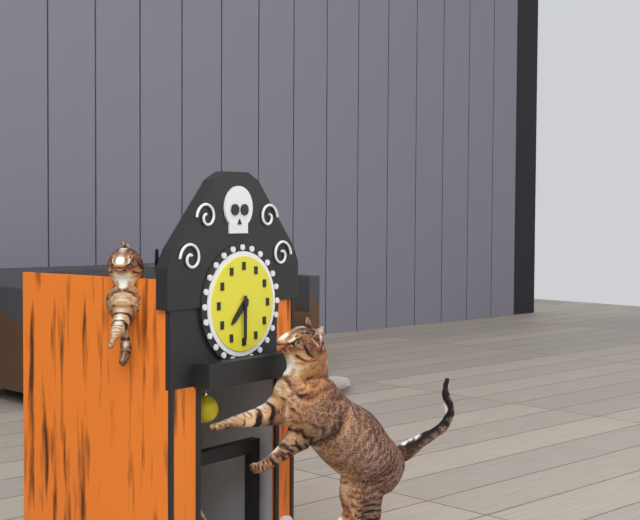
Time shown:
**7:30**
